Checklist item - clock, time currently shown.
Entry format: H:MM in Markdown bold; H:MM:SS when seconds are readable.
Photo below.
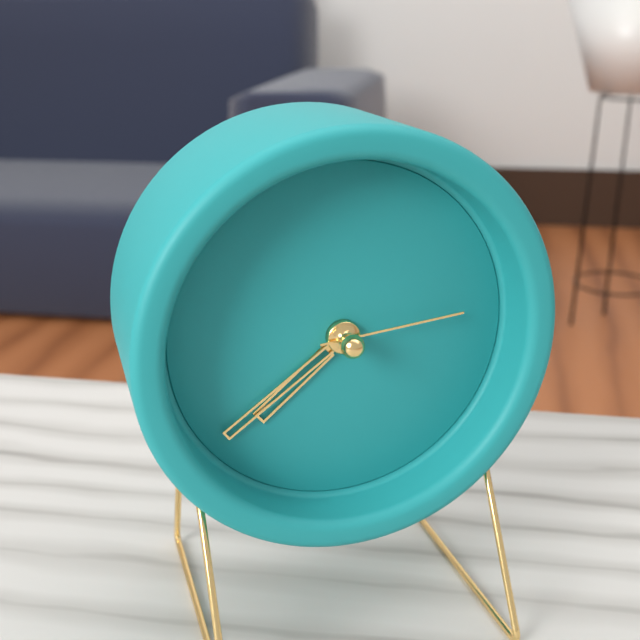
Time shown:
**7:39:14**
